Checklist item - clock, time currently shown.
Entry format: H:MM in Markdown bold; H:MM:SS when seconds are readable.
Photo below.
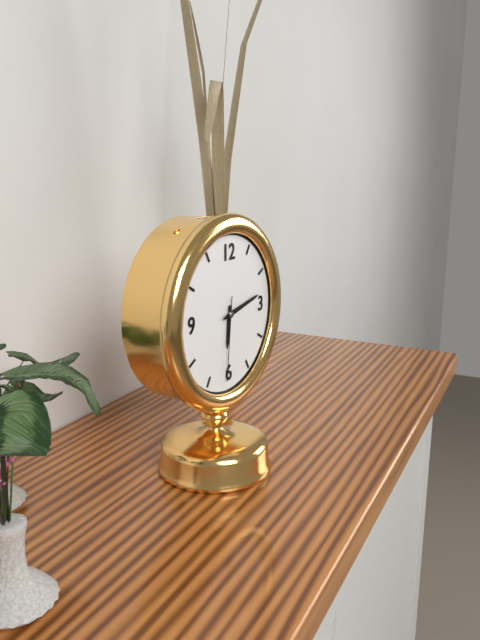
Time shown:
**6:13:31**
